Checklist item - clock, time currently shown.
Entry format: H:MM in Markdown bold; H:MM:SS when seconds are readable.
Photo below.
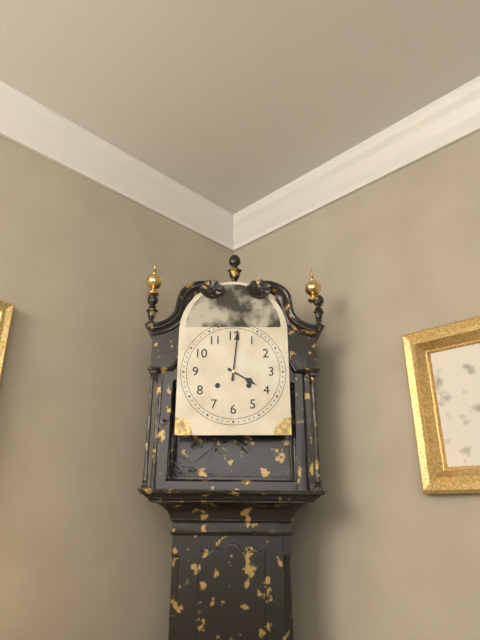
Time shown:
**4:01**
